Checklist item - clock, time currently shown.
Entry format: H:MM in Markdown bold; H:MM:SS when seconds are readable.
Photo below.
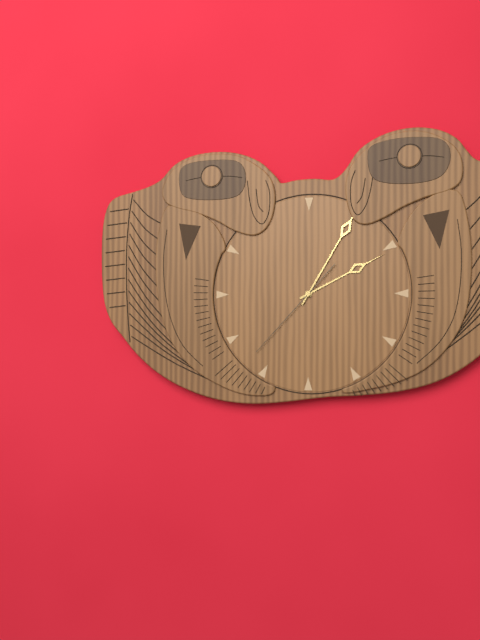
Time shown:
**2:05:37**
